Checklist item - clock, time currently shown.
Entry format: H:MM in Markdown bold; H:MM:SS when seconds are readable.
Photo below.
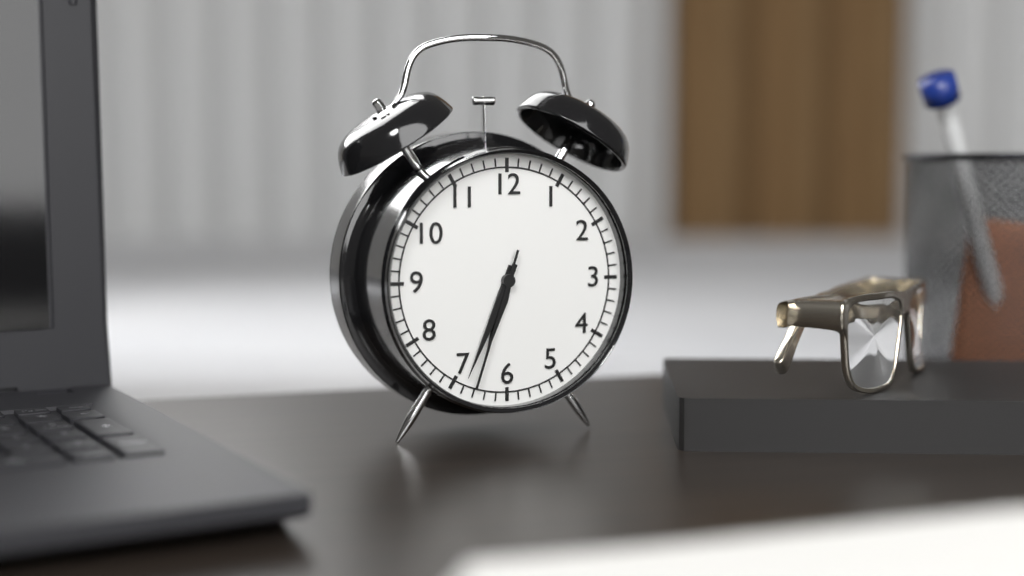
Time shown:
**6:34:33**
